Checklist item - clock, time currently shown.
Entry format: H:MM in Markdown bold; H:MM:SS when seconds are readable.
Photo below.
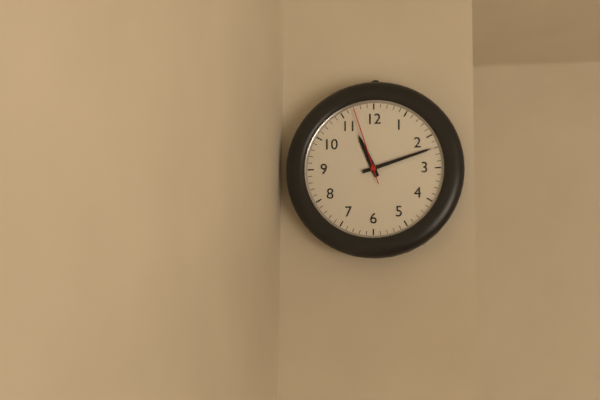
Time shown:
**11:12:57**
